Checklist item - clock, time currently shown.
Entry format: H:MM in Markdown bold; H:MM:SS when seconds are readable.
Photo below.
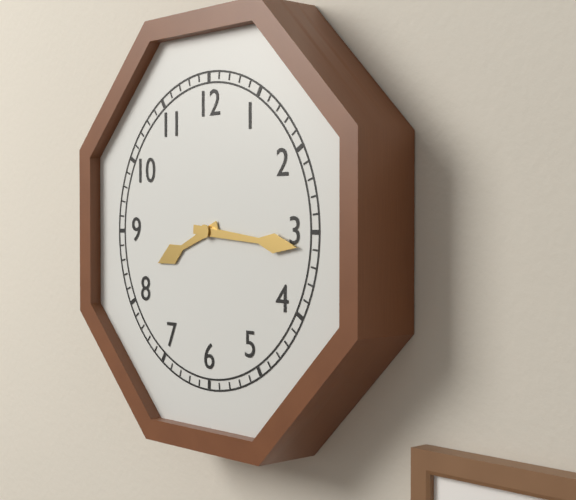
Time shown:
**8:16**
